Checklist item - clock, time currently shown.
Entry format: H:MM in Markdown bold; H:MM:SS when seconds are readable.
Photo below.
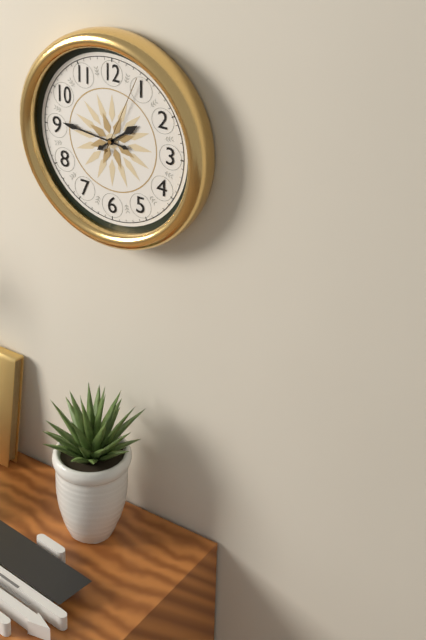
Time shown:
**1:46:04**
